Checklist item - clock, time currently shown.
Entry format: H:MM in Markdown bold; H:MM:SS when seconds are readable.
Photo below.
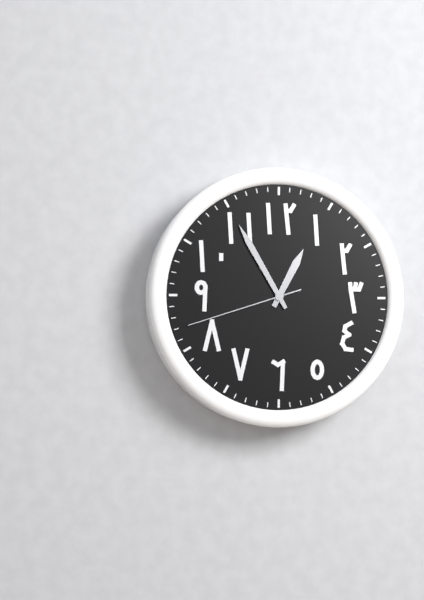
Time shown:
**12:55:42**
